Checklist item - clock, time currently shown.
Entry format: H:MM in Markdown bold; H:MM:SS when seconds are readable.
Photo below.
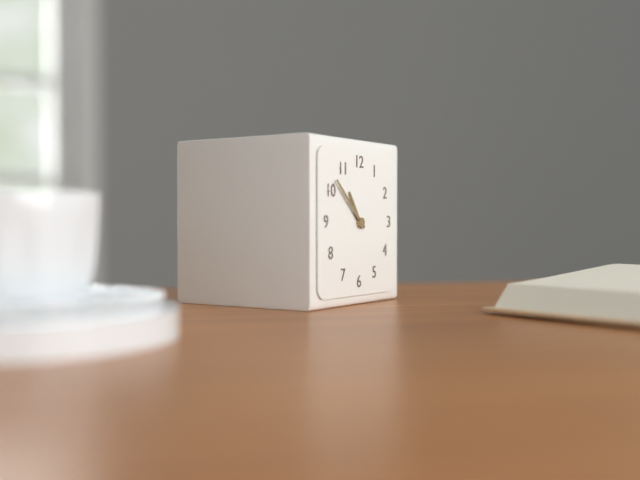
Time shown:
**10:52**
